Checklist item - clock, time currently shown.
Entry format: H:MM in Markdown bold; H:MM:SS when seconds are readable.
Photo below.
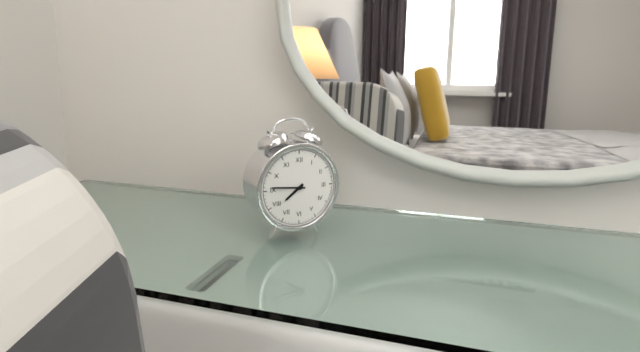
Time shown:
**7:46**
